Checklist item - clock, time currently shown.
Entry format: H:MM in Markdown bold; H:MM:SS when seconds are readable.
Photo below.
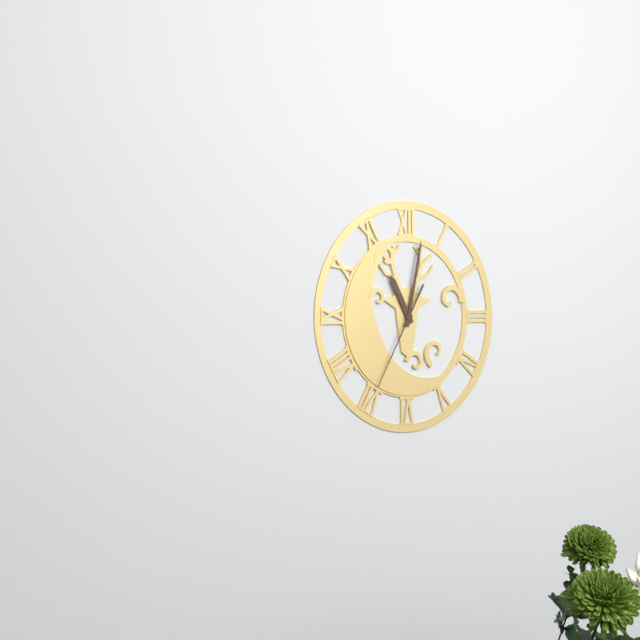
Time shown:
**11:02:35**
